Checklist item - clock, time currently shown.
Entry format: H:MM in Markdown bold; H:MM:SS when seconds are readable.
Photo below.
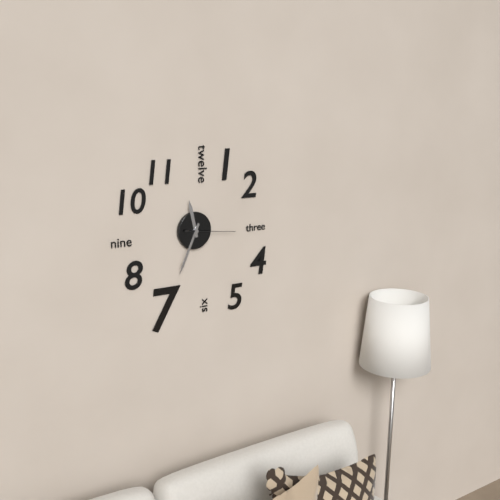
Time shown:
**11:34**
